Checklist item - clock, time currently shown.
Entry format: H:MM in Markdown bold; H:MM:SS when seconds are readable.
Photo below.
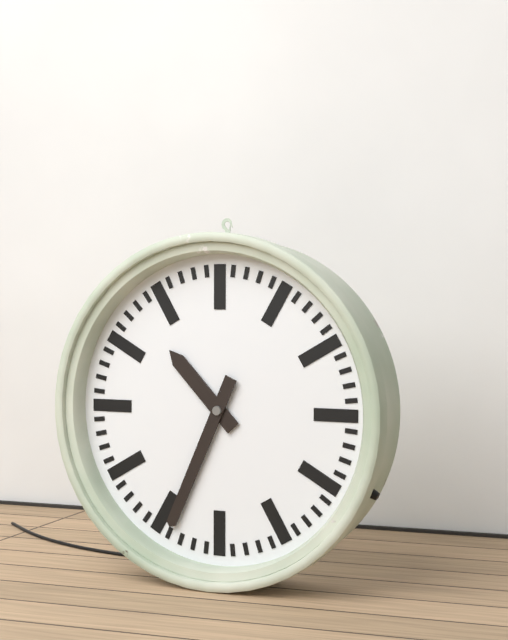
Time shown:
**10:34**
